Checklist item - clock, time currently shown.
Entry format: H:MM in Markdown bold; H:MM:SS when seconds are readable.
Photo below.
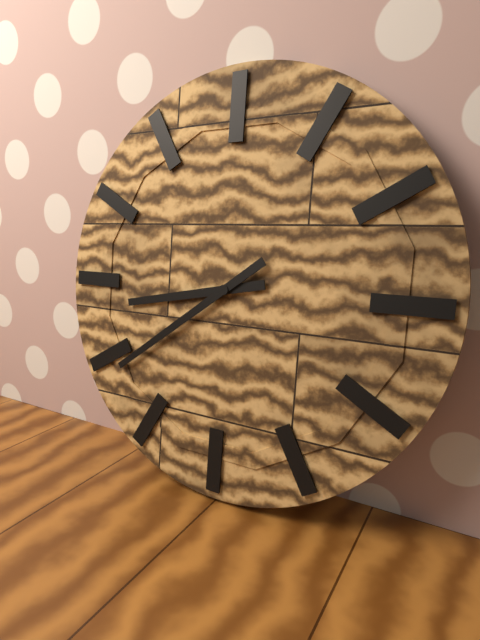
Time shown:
**8:39**
